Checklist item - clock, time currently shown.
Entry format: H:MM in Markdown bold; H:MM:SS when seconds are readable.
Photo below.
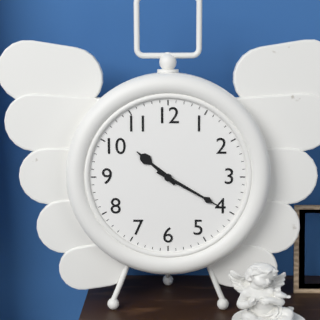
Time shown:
**10:20**
